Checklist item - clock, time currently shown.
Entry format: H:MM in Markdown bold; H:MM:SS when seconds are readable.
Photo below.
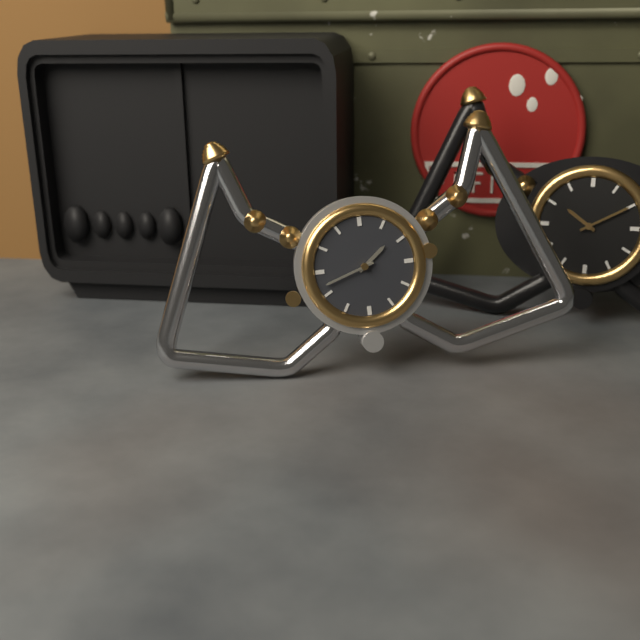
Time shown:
**1:42**
